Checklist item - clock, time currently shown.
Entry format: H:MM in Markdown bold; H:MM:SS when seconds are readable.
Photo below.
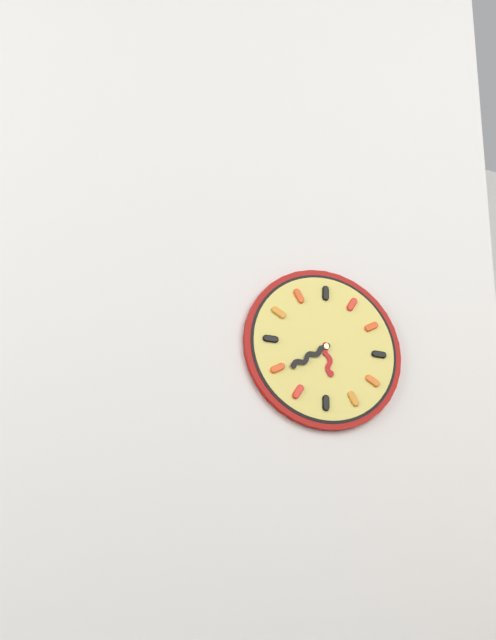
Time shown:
**5:39**
